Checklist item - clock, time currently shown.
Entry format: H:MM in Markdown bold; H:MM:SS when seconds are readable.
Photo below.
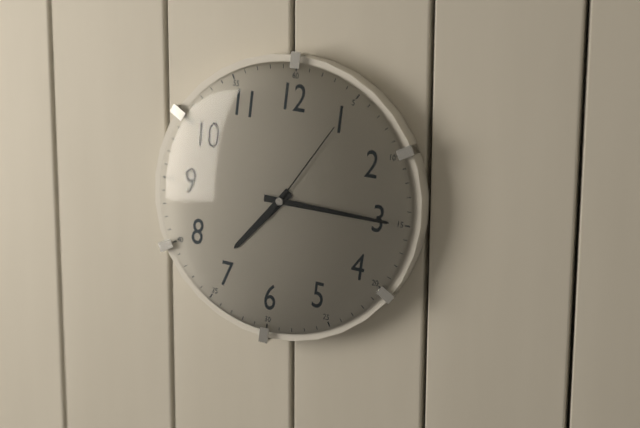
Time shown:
**7:15:05**
